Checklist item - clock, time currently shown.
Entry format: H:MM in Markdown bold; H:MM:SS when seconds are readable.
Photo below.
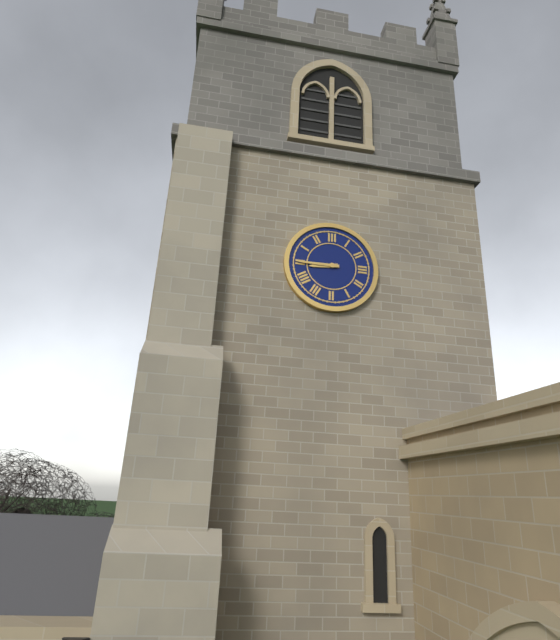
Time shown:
**8:45**
